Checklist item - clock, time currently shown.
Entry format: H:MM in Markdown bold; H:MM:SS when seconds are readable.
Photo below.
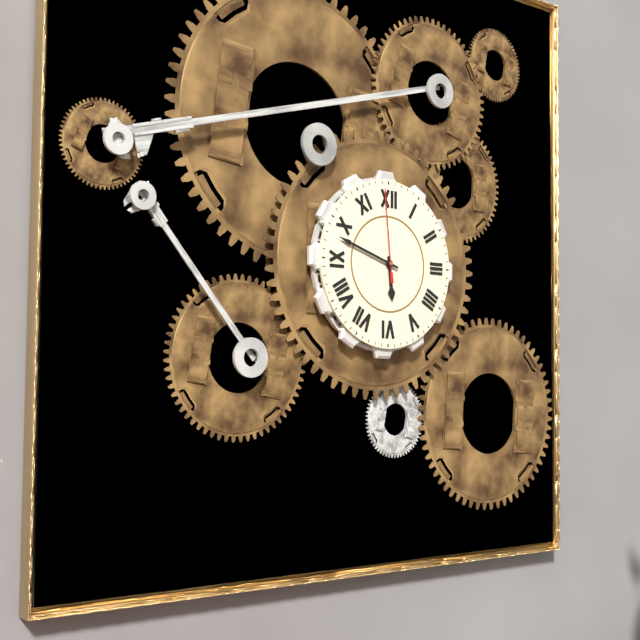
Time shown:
**5:48:59**
